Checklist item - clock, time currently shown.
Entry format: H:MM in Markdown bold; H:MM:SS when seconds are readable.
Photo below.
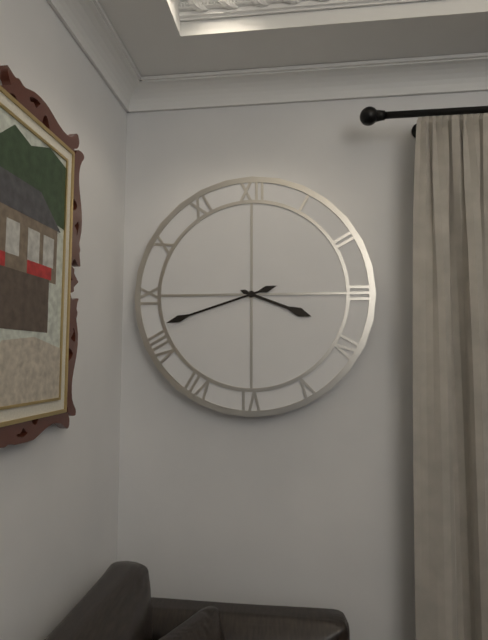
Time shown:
**3:42**
